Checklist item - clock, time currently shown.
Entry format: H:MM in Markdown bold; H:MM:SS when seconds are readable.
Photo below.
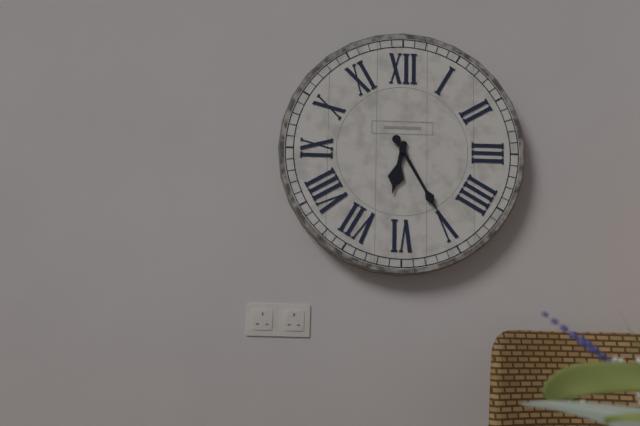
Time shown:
**6:25**
